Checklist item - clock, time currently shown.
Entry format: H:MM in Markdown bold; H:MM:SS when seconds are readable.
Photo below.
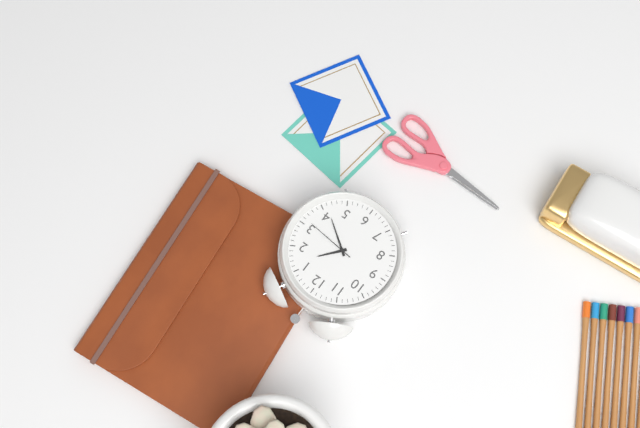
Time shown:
**1:21:16**
